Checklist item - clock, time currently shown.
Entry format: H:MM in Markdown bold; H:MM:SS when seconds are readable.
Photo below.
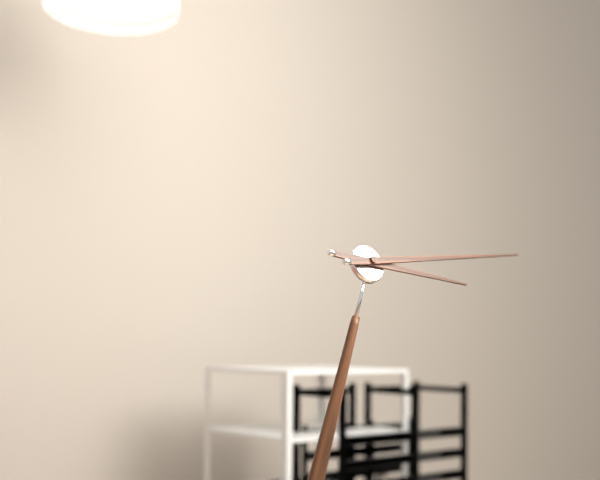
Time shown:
**3:14**
